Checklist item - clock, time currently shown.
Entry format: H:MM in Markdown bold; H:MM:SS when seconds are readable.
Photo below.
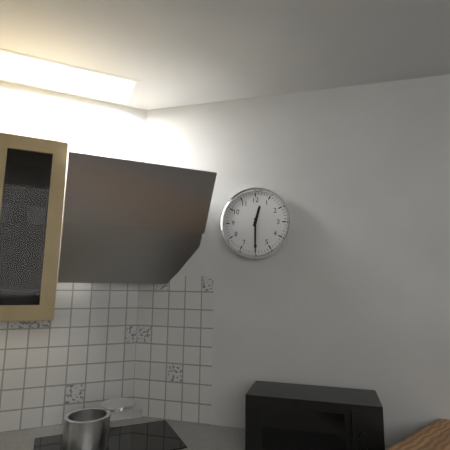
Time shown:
**12:30**
